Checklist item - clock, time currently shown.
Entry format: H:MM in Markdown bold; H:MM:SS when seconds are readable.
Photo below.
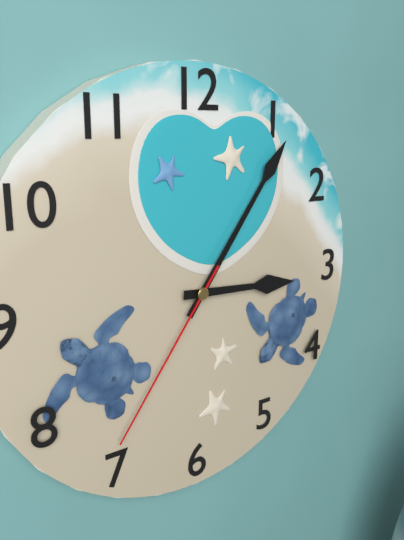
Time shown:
**3:06:36**
